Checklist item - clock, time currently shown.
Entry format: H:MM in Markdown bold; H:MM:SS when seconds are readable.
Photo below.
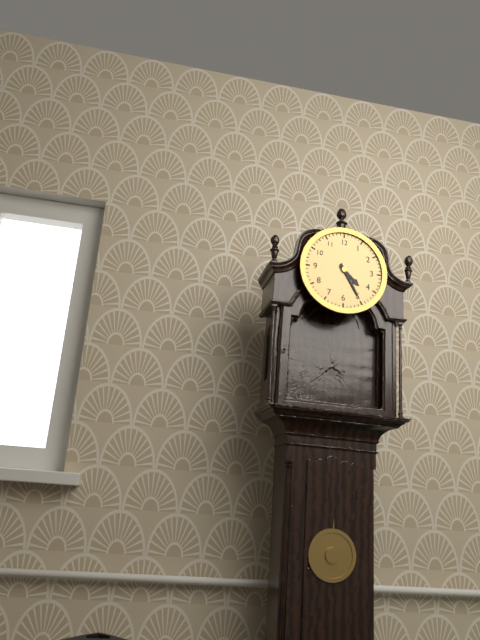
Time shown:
**4:25**
